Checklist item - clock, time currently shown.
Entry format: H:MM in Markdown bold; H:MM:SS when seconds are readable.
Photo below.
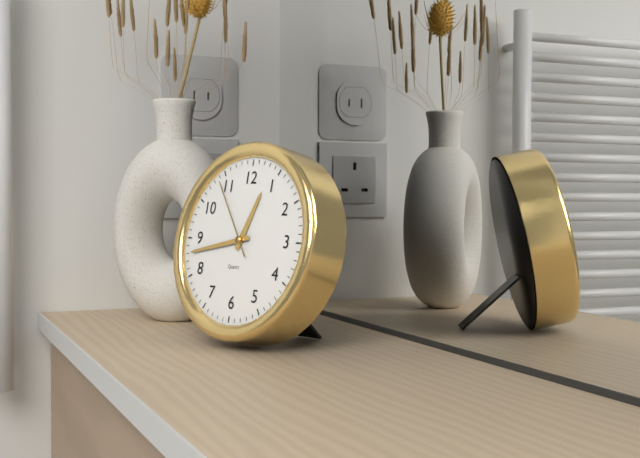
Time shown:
**12:43:54**
